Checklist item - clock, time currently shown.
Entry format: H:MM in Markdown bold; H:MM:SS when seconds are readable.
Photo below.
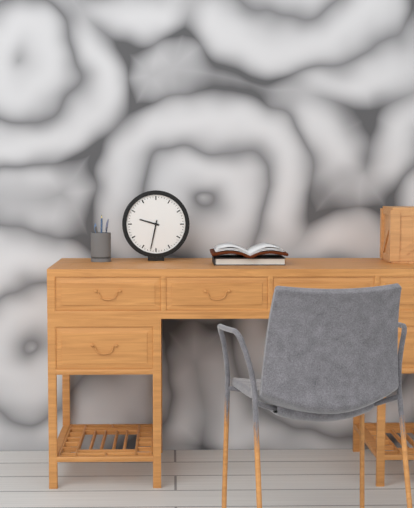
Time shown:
**9:32**
